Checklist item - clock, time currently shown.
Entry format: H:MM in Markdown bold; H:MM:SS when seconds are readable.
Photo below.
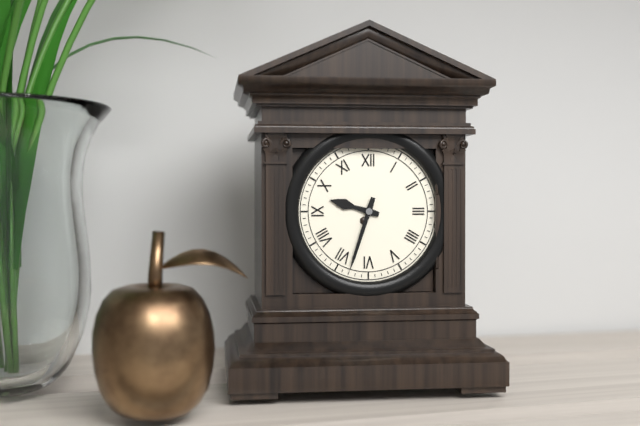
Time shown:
**9:33**
